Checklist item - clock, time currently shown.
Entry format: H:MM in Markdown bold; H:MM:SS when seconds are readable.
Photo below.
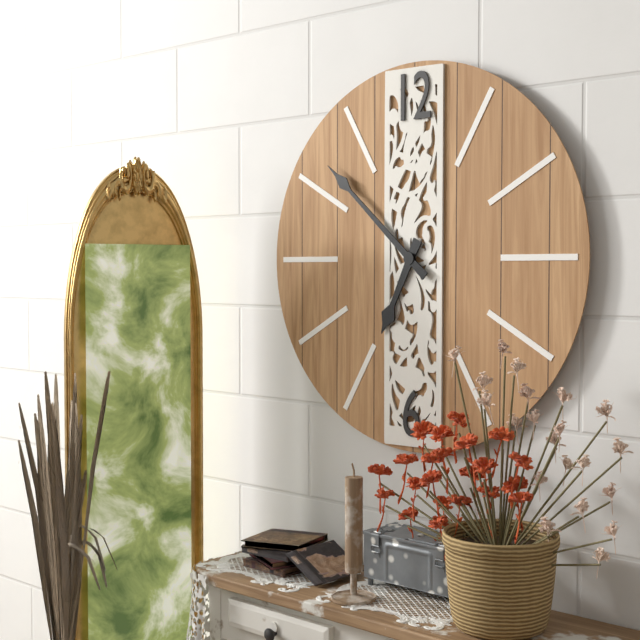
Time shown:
**6:52**
